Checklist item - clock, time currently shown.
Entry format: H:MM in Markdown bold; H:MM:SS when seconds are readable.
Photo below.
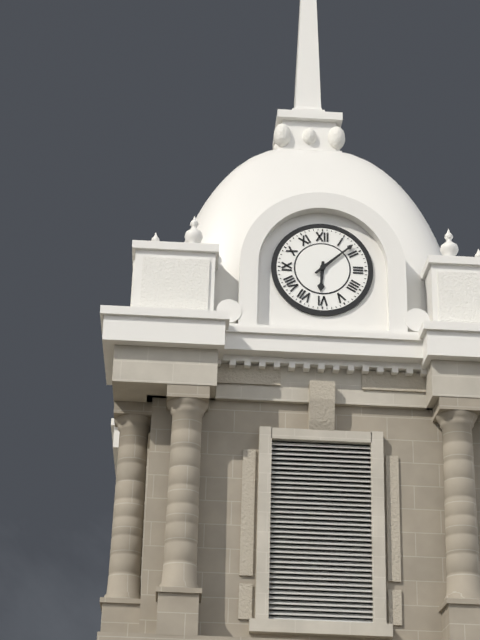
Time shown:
**6:08**
